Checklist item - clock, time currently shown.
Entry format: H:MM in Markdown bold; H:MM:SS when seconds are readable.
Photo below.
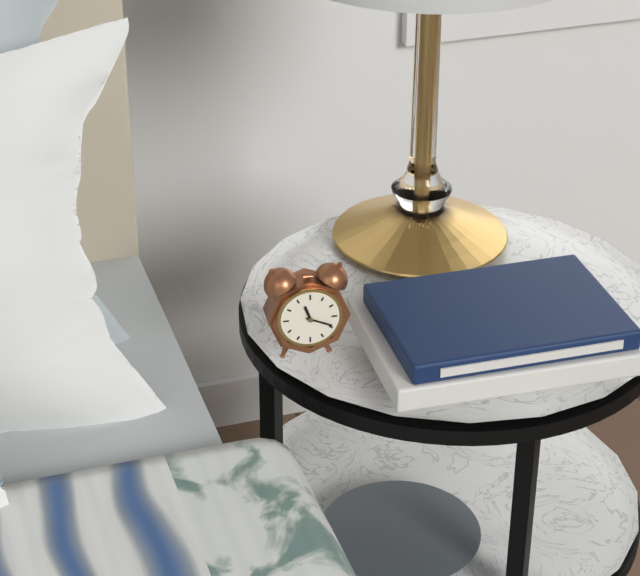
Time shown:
**11:19**
